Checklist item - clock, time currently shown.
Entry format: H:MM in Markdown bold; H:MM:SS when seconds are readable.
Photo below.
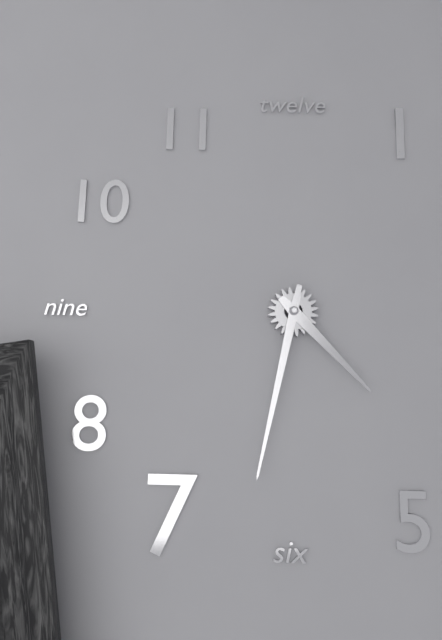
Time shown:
**4:32**
